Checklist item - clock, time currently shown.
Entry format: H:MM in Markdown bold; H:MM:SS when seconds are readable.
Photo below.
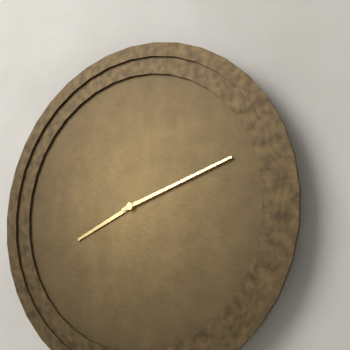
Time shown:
**8:12**
